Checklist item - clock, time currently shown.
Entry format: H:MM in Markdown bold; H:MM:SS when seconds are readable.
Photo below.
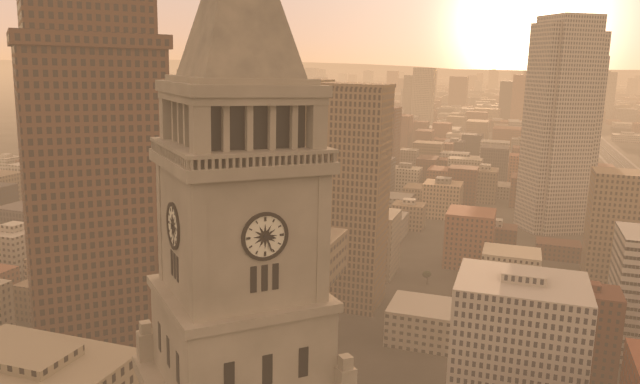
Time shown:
**3:26**
